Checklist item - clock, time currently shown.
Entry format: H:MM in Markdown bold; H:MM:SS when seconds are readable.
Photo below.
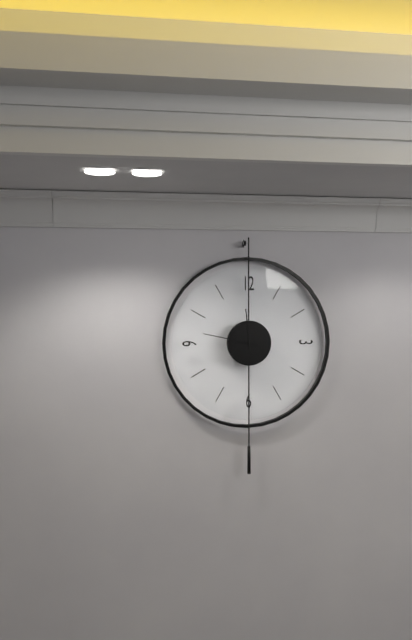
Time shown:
**11:47**
